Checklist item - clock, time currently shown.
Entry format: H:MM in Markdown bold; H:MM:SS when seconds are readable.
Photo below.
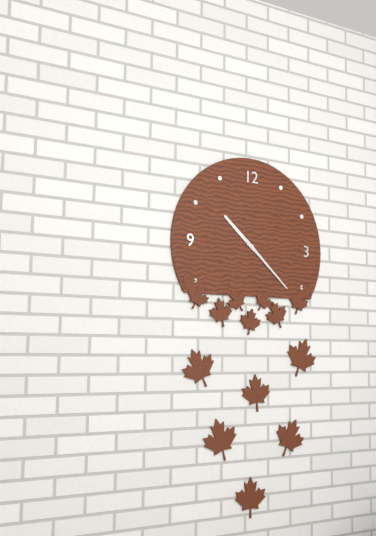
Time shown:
**10:22**
